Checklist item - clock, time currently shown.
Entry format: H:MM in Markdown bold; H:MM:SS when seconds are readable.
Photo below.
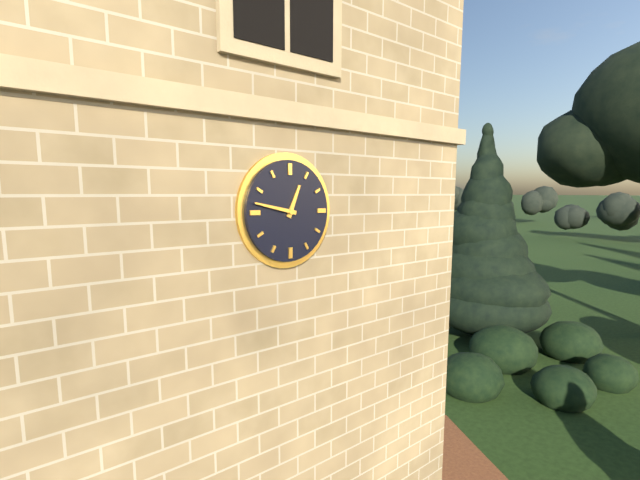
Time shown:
**12:47**
